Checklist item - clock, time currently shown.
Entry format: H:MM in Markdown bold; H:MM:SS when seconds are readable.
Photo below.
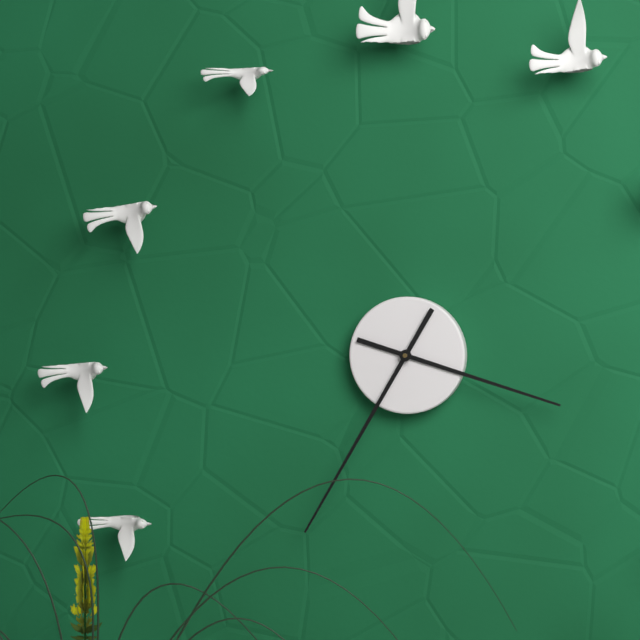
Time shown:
**3:35**
